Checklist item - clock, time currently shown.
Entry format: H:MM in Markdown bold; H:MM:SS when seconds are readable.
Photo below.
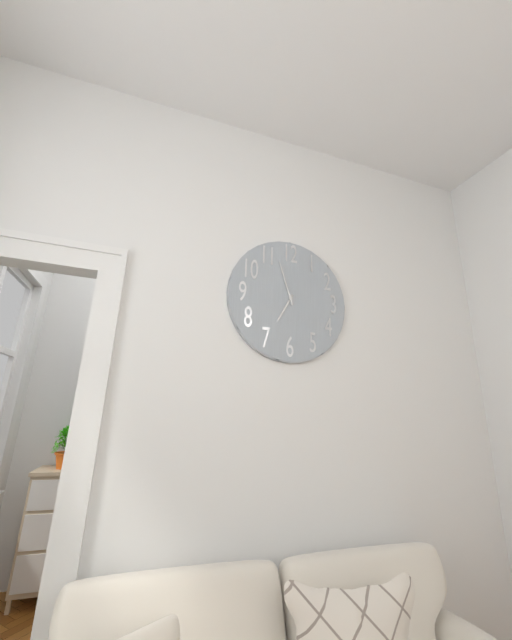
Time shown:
**6:57**
